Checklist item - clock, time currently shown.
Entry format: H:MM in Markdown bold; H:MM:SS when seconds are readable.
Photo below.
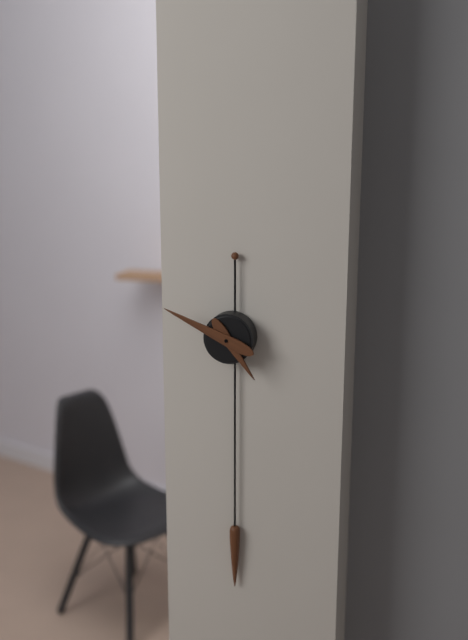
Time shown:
**4:49**
